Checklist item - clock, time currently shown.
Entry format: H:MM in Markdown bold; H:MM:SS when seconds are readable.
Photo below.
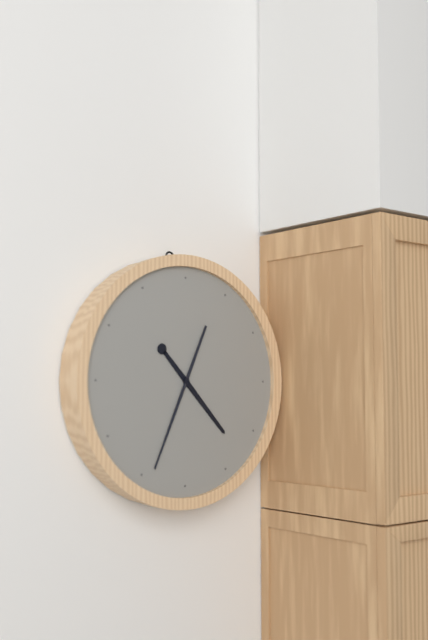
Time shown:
**4:34**
